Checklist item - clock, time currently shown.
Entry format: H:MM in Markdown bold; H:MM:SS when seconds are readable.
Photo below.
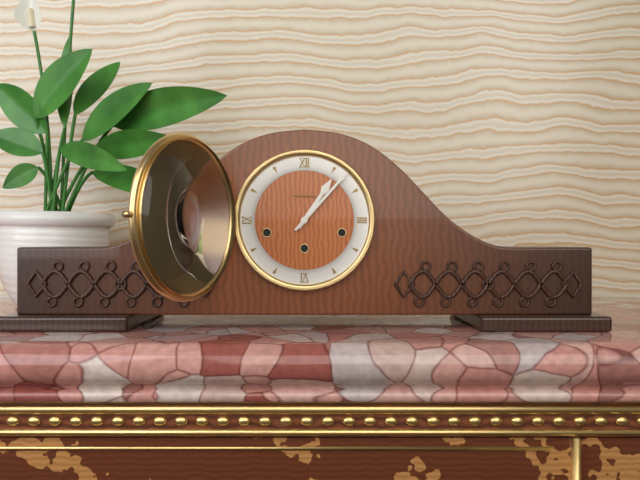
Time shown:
**1:07**
